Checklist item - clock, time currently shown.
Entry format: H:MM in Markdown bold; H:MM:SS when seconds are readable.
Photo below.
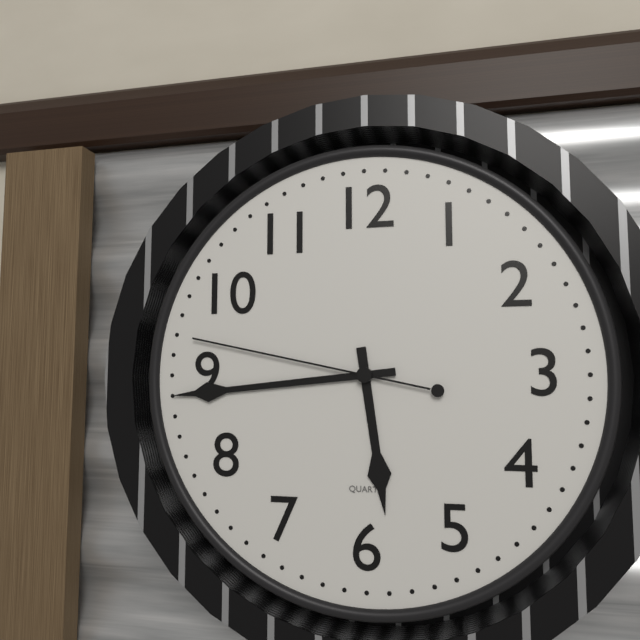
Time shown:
**5:44:47**
